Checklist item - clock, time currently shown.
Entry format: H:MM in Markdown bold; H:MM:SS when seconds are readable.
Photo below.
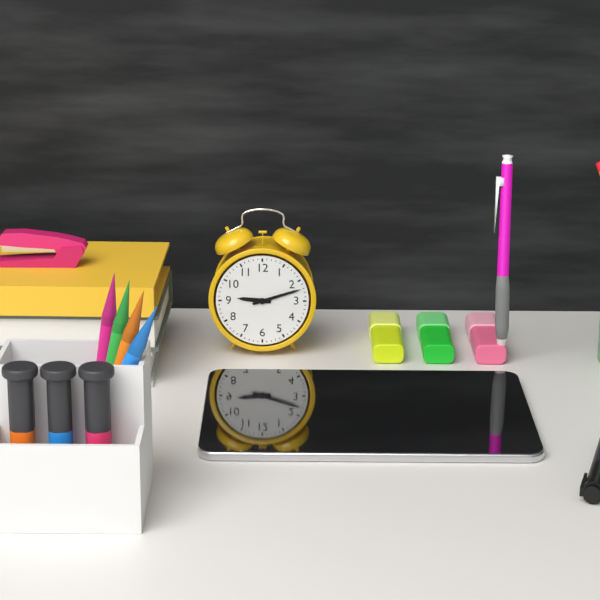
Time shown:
**9:12**
